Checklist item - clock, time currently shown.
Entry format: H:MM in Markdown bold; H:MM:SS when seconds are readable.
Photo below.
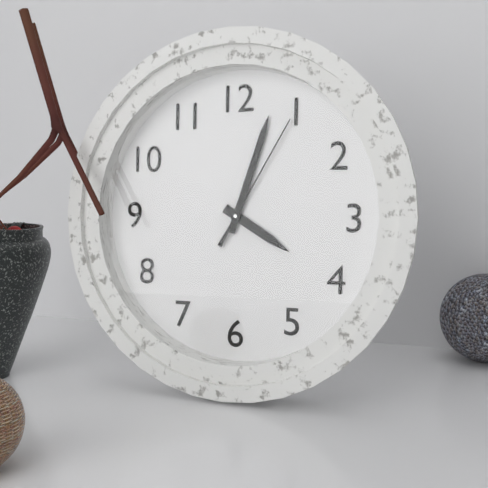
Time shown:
**4:03:05**
